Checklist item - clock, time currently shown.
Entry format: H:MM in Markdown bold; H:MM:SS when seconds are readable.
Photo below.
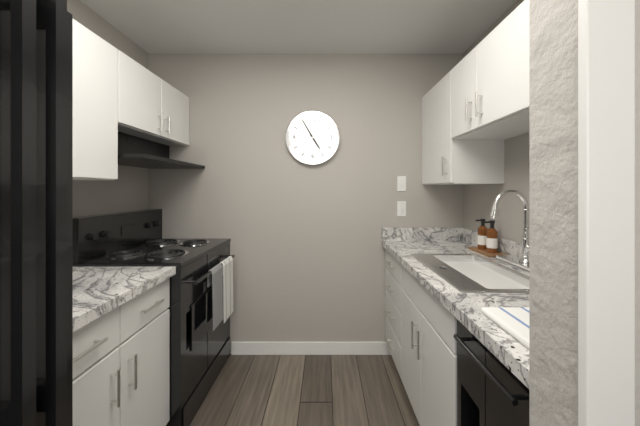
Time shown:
**4:55**
